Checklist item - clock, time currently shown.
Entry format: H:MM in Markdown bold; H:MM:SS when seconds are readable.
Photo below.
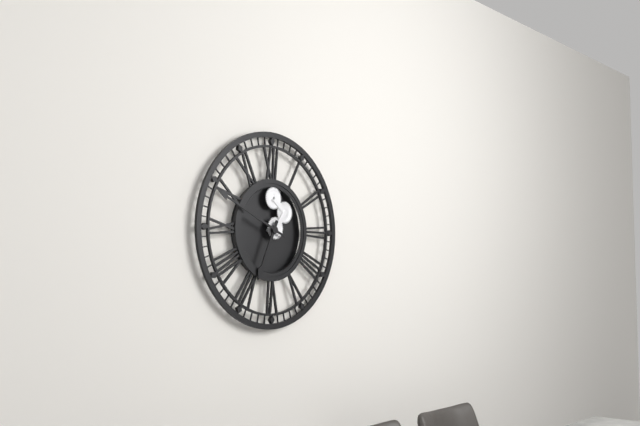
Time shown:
**6:49**
